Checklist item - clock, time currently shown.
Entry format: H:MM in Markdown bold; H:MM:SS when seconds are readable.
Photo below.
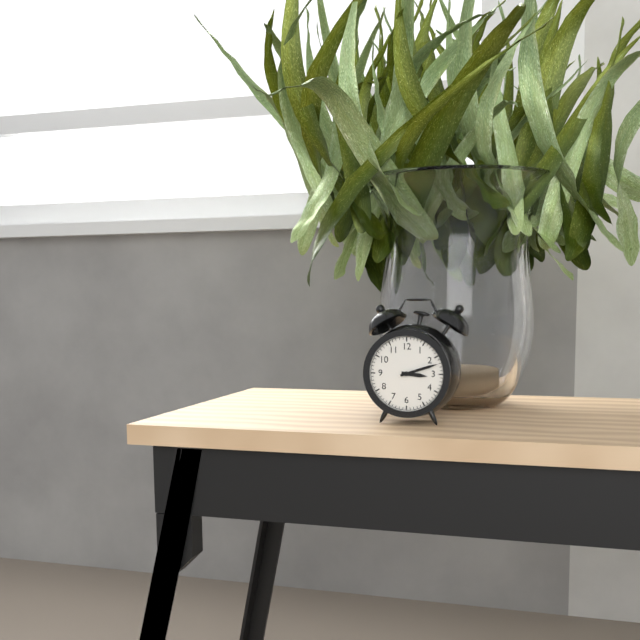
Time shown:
**3:12**
